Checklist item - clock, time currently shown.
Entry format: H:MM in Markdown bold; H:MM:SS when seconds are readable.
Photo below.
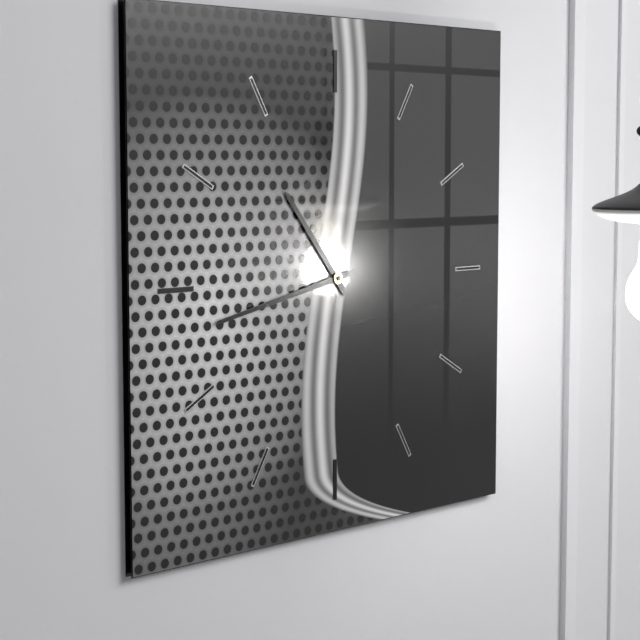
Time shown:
**10:43**
